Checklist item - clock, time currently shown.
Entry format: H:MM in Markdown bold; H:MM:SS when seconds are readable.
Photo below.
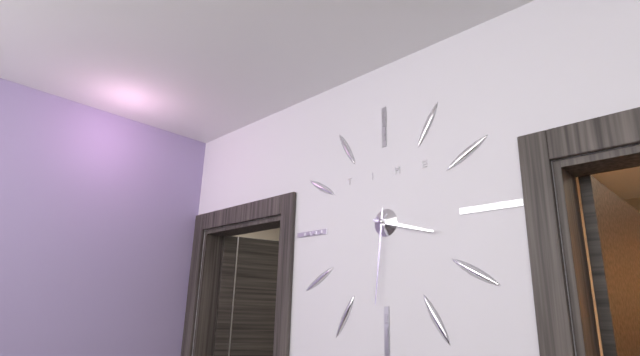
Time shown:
**3:31**
